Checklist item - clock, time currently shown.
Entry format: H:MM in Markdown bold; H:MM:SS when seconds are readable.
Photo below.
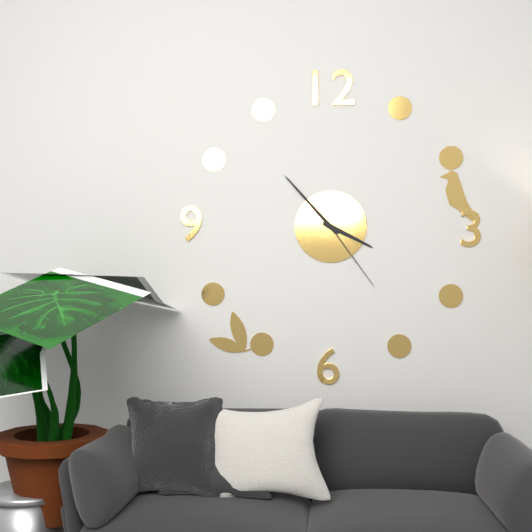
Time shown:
**3:53:24**
